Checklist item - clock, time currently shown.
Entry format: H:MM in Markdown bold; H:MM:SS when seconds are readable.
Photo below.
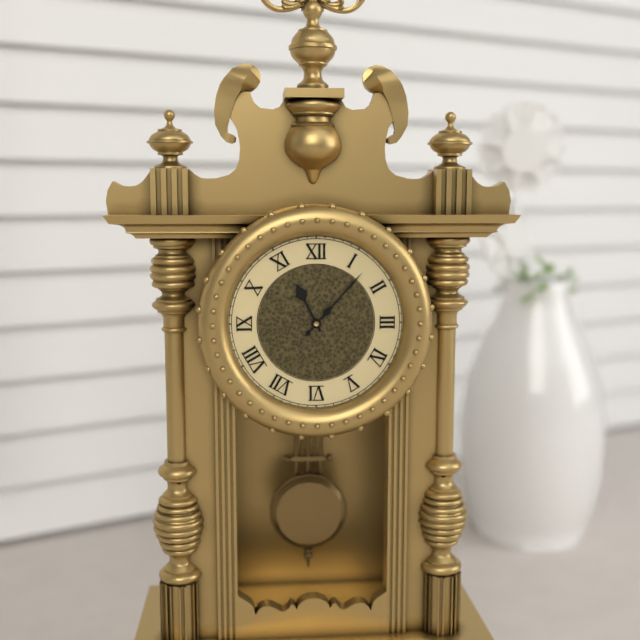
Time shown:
**11:07**
